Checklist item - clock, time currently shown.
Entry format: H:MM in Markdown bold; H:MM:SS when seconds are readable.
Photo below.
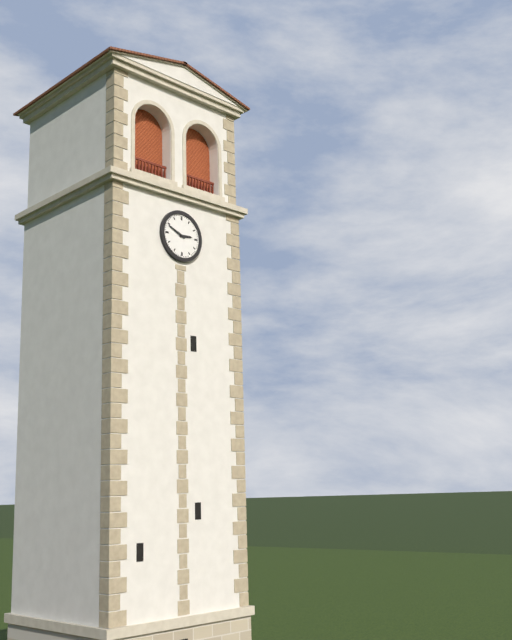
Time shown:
**2:49**
